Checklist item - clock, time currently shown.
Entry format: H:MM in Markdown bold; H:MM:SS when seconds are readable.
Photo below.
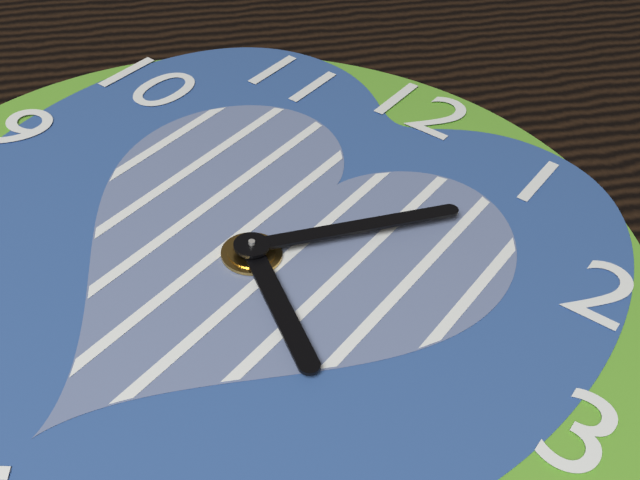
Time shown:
**4:06**
